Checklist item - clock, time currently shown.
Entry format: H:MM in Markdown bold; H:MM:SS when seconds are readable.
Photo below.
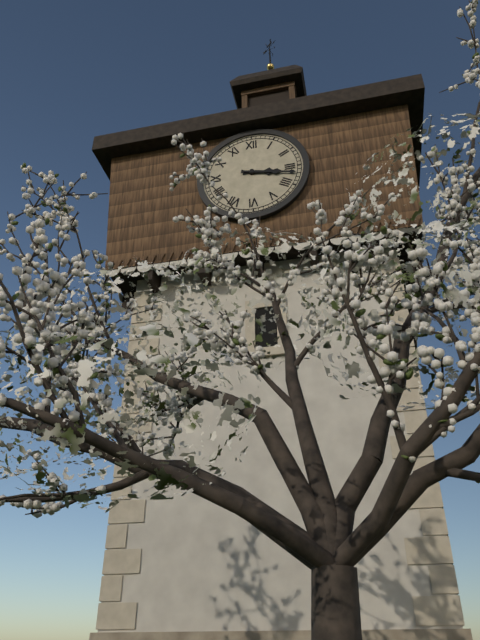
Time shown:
**3:17**
